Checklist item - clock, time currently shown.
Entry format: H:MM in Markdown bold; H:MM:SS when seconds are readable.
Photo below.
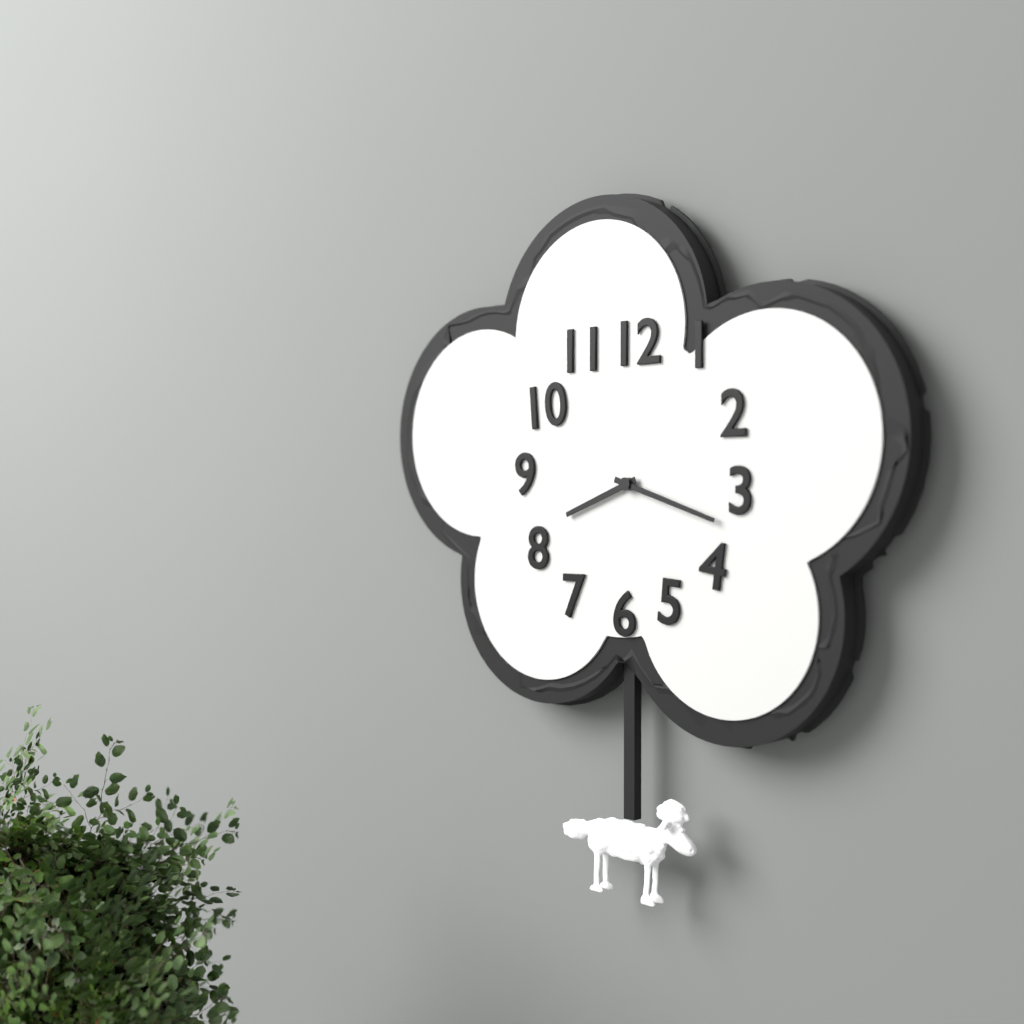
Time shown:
**8:18**
